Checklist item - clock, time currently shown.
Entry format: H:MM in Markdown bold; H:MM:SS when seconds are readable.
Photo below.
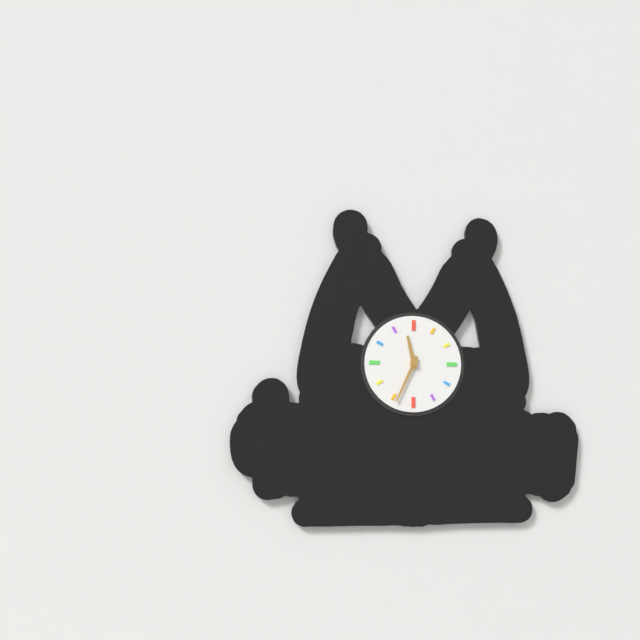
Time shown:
**11:34**
